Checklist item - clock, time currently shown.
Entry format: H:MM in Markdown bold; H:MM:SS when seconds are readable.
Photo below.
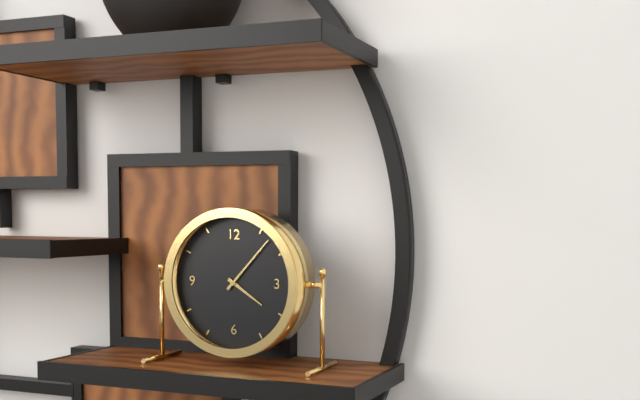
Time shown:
**4:07**
